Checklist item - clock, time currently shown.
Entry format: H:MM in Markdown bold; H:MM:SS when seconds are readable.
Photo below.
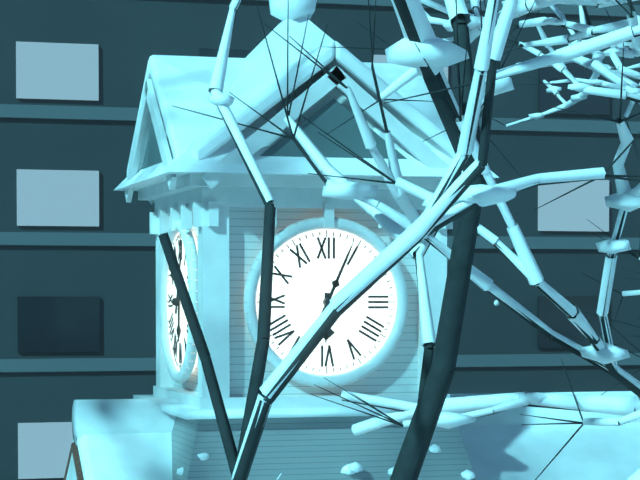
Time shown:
**6:04**
